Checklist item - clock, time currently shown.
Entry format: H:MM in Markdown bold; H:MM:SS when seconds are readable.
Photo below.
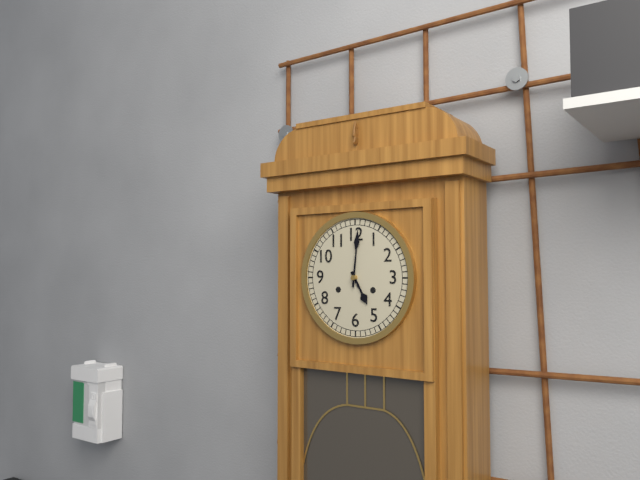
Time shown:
**5:01**
